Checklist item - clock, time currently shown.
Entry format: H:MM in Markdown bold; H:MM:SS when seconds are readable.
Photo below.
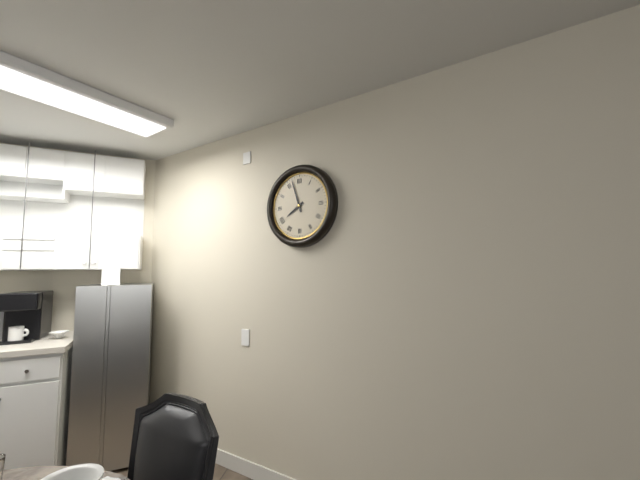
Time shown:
**7:57**
